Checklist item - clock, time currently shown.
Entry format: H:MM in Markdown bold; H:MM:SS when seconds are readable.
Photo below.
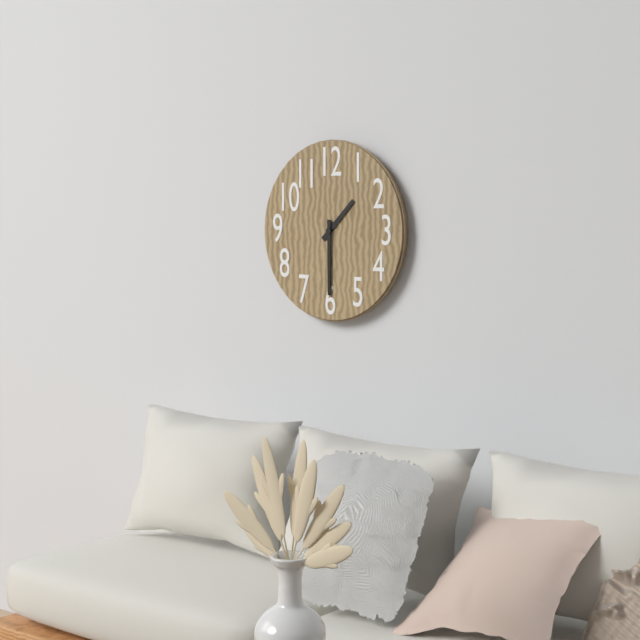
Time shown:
**1:30**
